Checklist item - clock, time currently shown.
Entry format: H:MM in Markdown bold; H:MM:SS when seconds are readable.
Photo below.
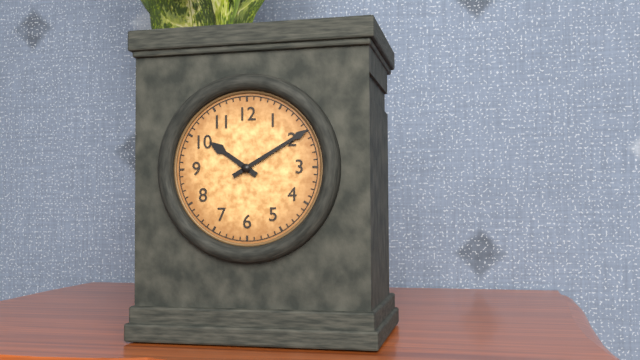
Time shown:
**10:10**
